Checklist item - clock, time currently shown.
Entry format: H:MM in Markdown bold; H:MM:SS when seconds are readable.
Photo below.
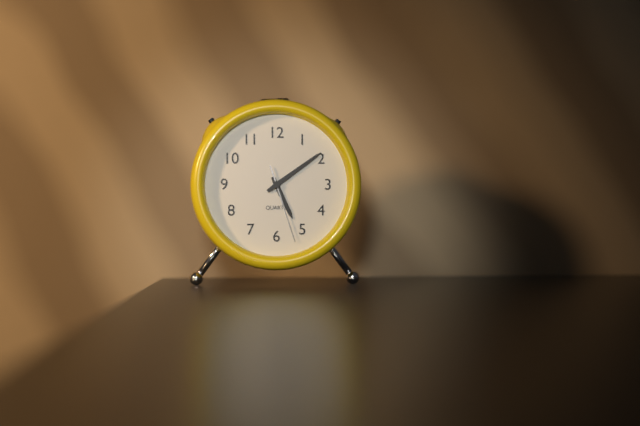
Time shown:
**5:09:27**
